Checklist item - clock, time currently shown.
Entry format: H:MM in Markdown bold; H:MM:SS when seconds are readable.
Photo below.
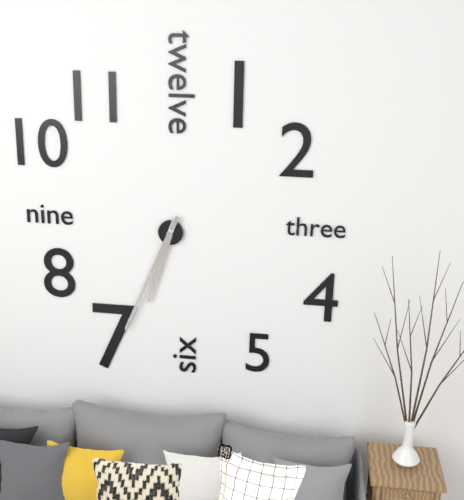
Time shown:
**6:34**
